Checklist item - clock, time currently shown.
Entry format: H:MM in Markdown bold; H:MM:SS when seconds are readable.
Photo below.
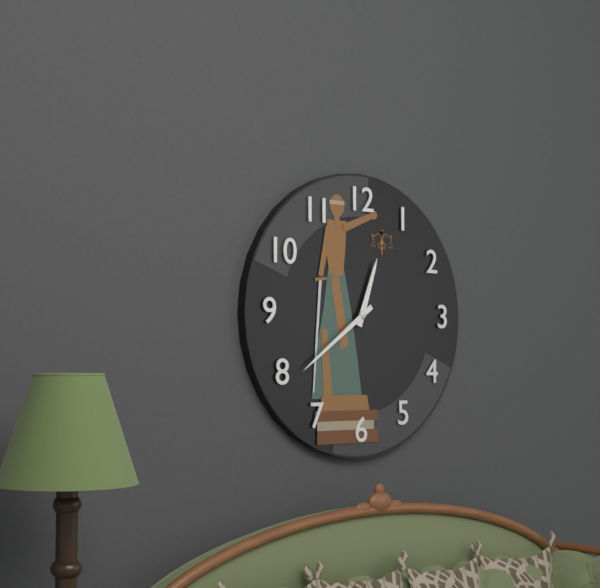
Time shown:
**12:39**
